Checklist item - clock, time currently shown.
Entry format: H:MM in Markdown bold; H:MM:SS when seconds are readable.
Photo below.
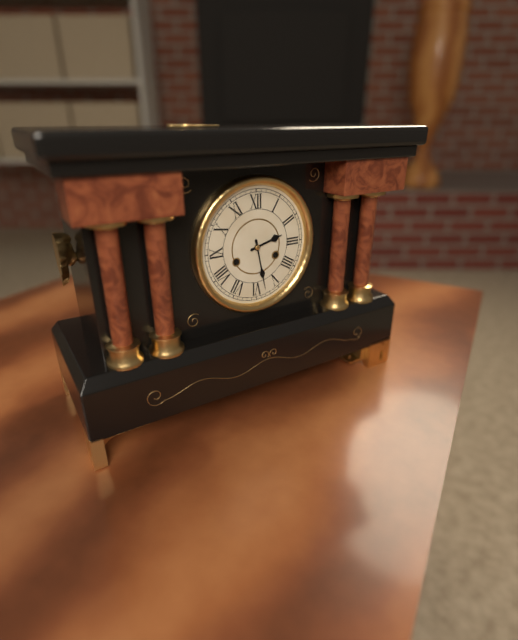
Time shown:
**2:28**
